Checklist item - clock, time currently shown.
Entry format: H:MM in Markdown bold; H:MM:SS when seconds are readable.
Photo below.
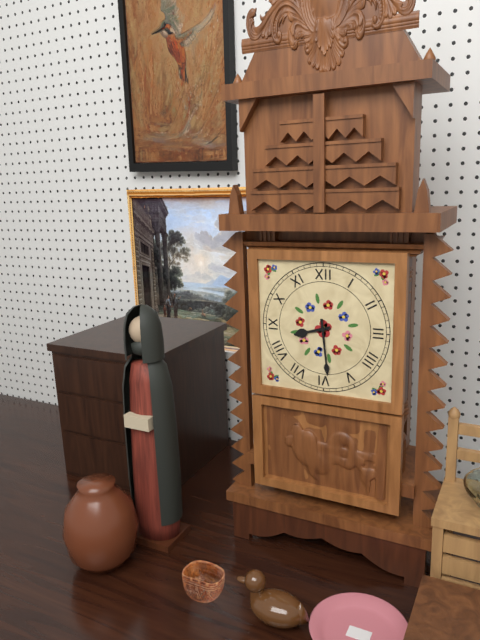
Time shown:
**8:29**
